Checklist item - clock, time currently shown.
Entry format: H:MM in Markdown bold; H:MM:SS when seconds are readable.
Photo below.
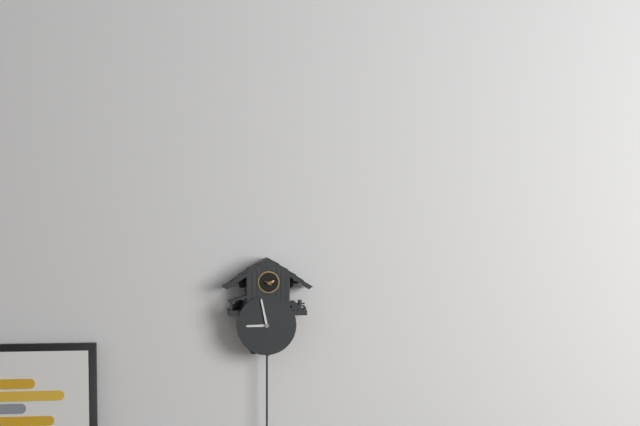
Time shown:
**8:58**
